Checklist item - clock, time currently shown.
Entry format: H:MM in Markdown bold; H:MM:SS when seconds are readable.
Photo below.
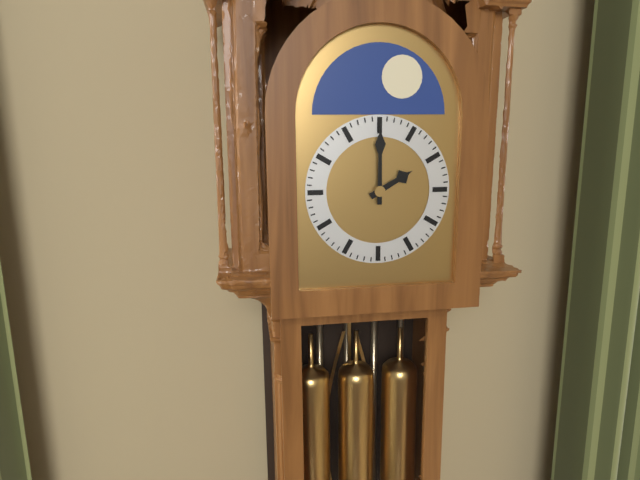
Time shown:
**2:00**
